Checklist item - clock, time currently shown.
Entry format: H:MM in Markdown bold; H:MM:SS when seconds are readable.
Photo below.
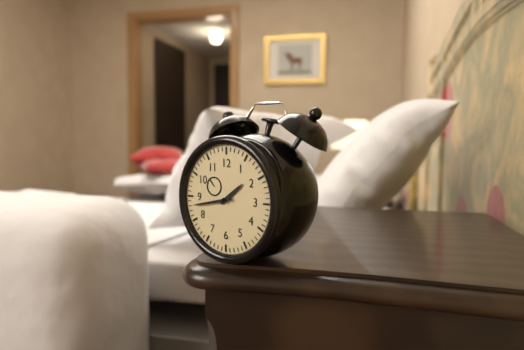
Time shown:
**1:43**
